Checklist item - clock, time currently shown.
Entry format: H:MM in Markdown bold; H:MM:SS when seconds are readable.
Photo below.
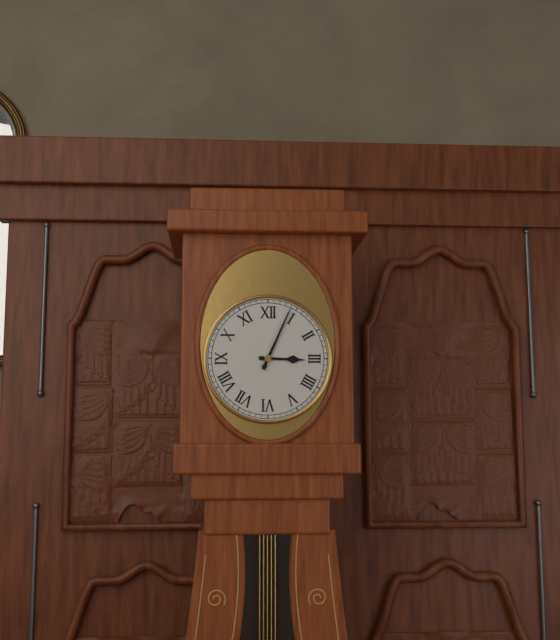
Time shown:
**3:04**
